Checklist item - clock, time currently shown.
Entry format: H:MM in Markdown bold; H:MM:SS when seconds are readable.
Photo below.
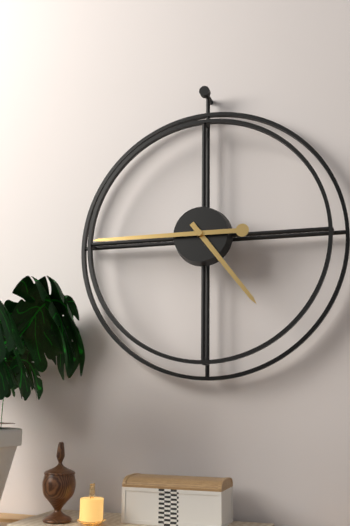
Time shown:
**4:45**
